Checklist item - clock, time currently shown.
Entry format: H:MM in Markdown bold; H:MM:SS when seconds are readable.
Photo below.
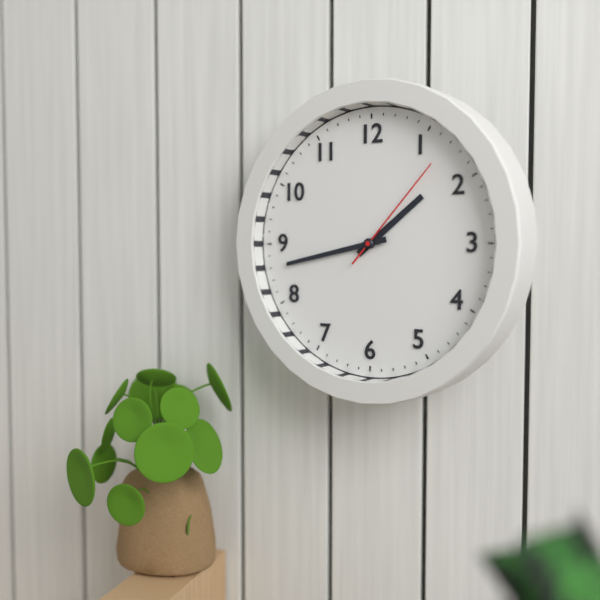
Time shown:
**1:43:07**
